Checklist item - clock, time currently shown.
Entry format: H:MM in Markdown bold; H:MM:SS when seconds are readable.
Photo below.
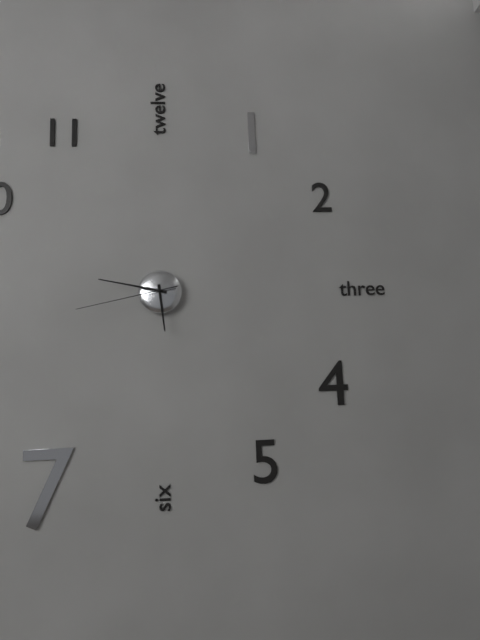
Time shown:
**5:47:43**
